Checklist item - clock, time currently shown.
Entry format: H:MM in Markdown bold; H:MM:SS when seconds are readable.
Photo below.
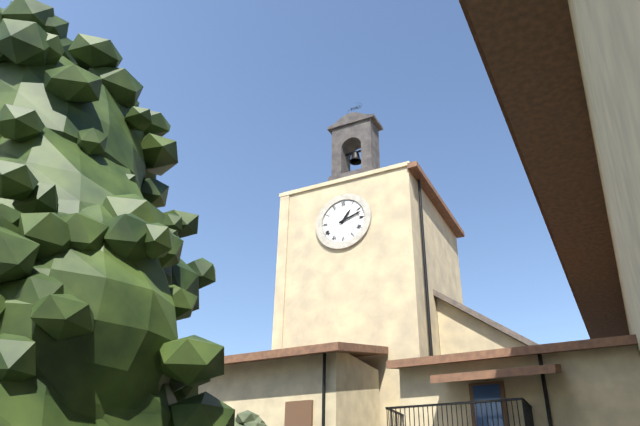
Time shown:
**1:12**
